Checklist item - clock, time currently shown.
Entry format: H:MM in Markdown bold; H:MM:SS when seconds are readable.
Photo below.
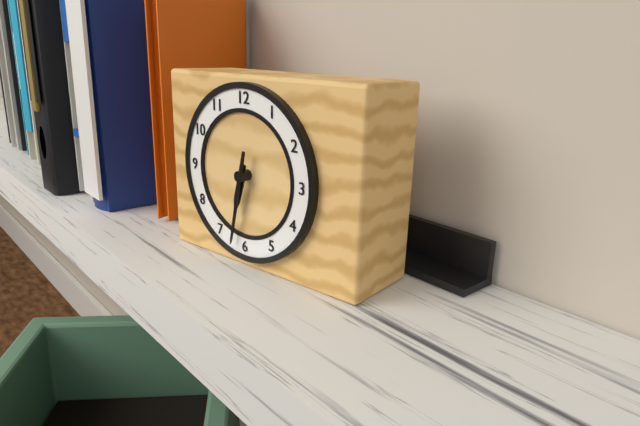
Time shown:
**6:32**
